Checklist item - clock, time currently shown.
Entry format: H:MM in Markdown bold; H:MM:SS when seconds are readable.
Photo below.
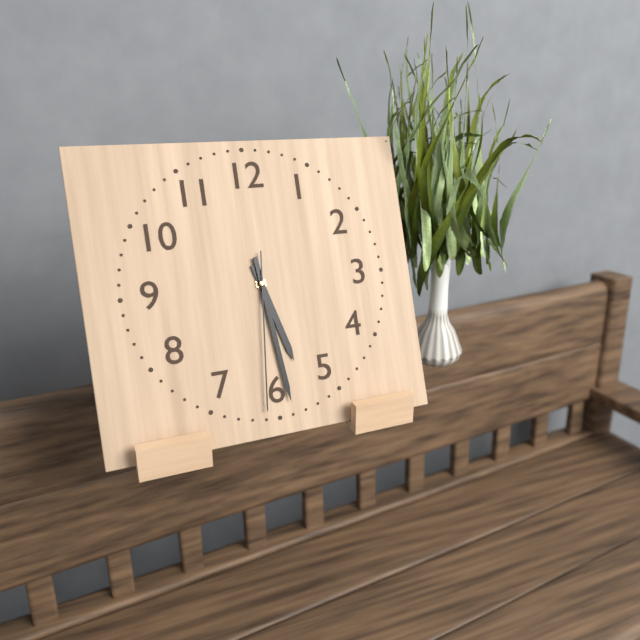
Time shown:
**5:29:31**
